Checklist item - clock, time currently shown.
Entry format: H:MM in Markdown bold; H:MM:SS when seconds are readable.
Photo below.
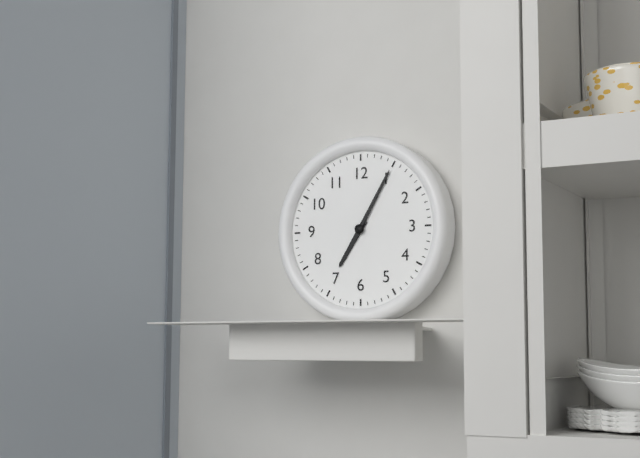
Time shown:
**7:05**
